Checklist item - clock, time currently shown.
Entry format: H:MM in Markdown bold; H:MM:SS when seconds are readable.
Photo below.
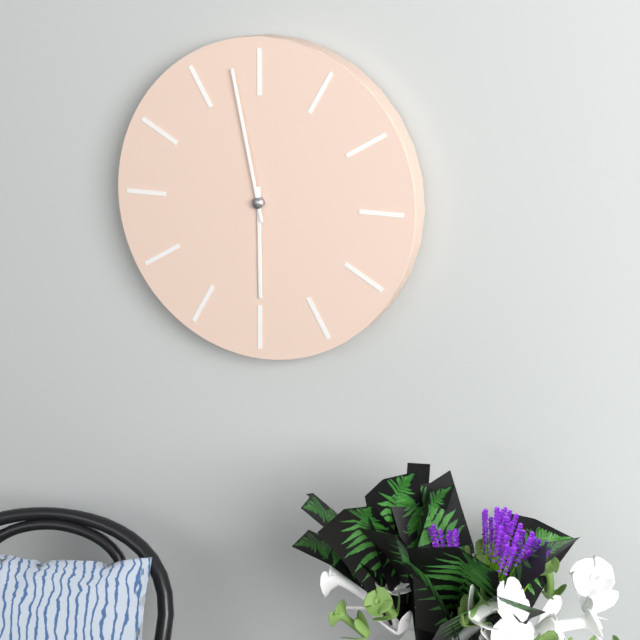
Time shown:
**5:58**
